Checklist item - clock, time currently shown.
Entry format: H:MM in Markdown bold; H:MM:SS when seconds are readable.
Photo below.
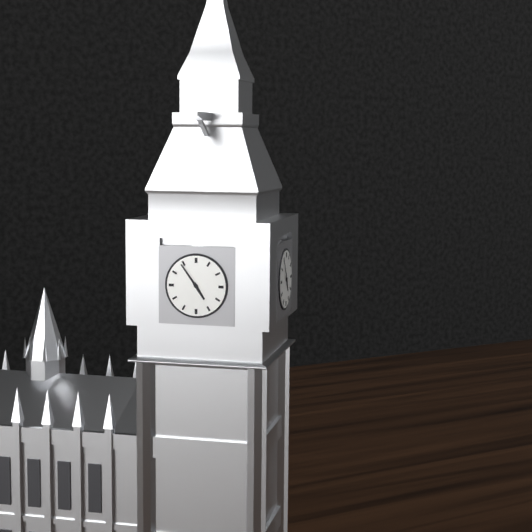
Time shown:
**4:54**
